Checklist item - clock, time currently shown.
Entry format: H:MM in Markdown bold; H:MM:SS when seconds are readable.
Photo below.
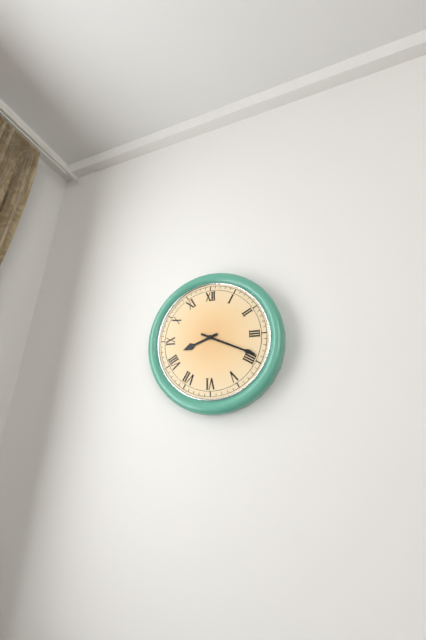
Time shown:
**8:19**
